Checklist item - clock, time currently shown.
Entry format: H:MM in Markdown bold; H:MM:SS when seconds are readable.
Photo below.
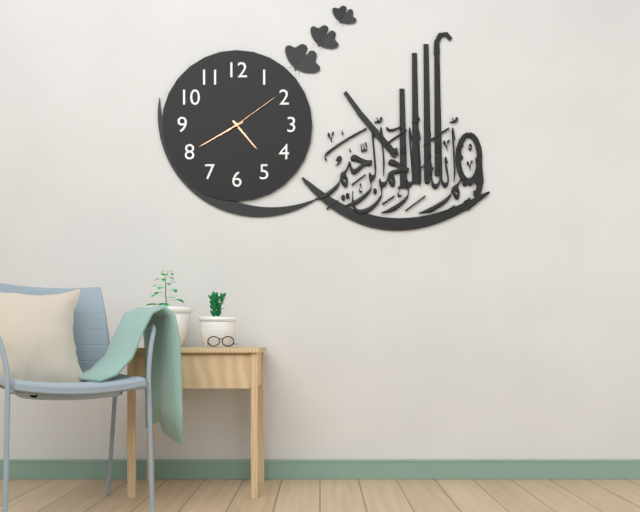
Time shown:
**4:40:09**
